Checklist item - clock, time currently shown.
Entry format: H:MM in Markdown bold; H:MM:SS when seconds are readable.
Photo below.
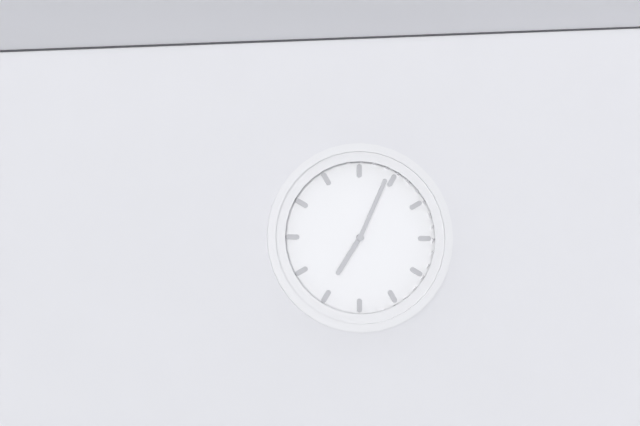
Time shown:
**7:04**
